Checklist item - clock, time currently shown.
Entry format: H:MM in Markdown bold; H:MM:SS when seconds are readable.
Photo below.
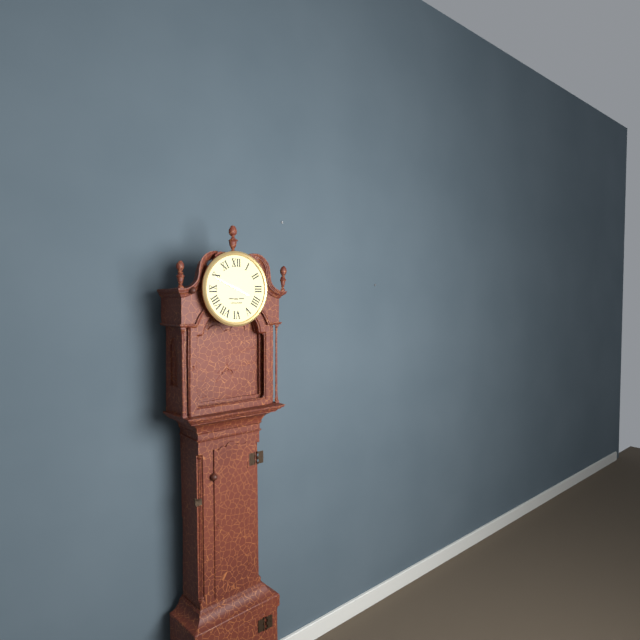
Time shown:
**3:49**
